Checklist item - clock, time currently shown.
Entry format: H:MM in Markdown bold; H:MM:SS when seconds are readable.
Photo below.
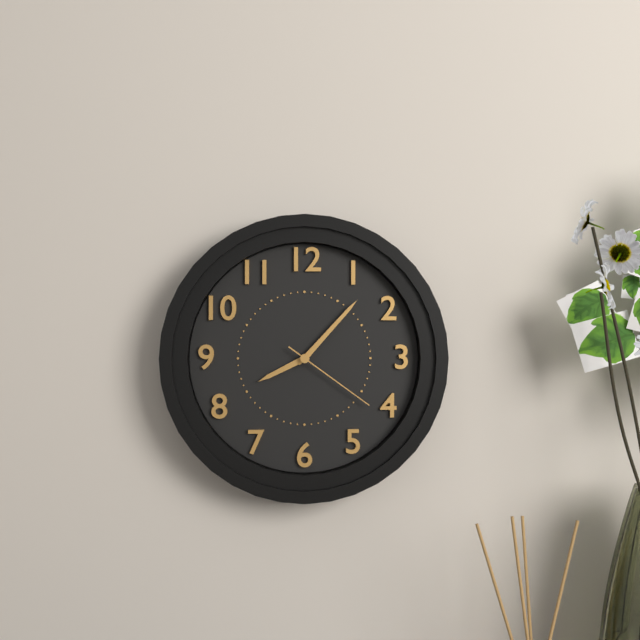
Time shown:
**8:07:21**
